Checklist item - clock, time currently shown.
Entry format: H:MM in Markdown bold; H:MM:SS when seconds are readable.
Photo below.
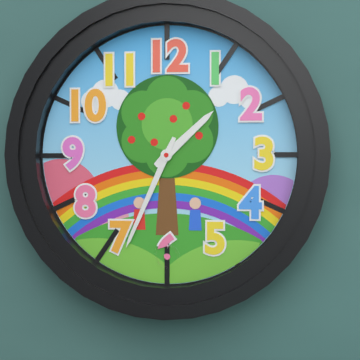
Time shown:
**1:34**
